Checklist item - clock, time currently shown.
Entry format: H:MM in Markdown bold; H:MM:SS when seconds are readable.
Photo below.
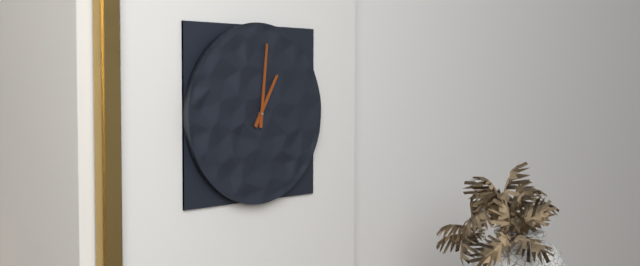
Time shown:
**1:01**
